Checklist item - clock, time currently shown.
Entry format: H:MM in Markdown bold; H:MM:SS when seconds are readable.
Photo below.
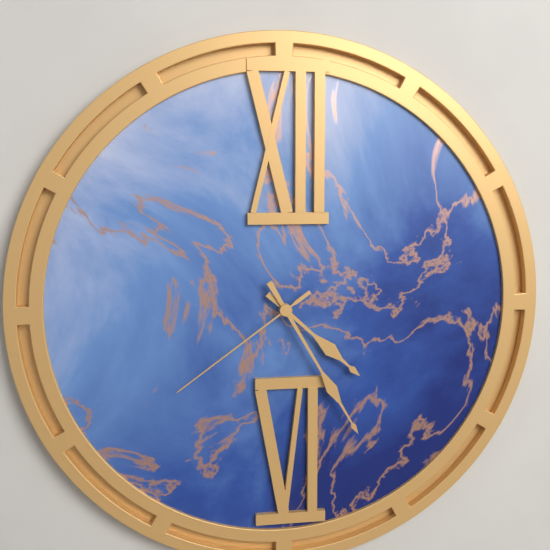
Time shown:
**4:25:39**
